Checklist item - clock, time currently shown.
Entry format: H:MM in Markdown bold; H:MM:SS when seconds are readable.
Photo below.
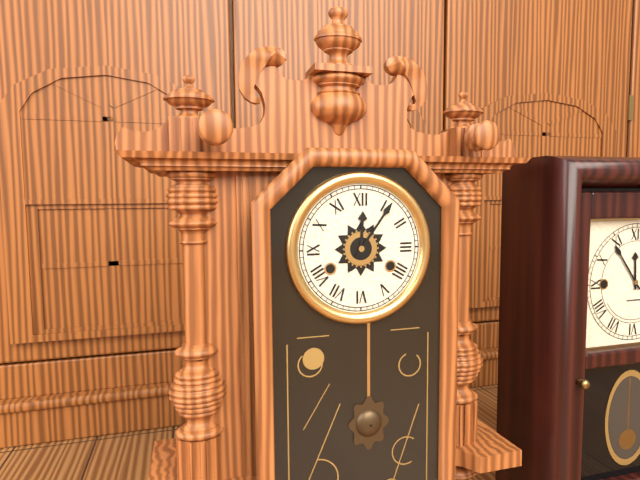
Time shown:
**12:06**
